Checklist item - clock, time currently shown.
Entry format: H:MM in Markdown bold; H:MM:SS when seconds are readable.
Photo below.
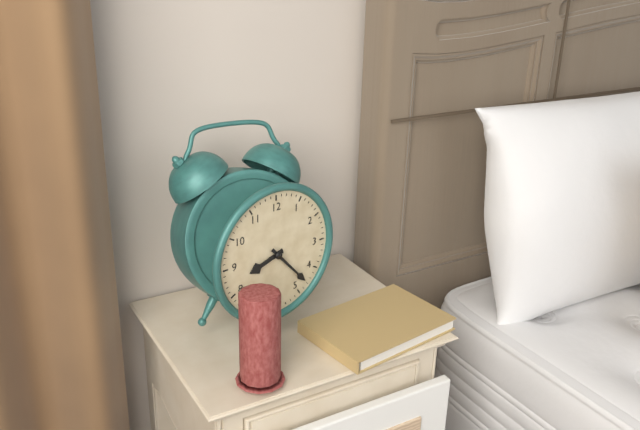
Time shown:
**8:23**
